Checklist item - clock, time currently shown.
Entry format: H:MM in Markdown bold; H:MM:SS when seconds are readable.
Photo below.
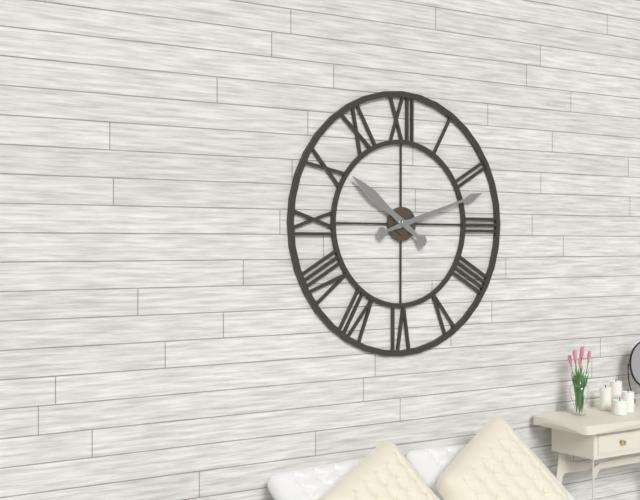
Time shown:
**10:12**
